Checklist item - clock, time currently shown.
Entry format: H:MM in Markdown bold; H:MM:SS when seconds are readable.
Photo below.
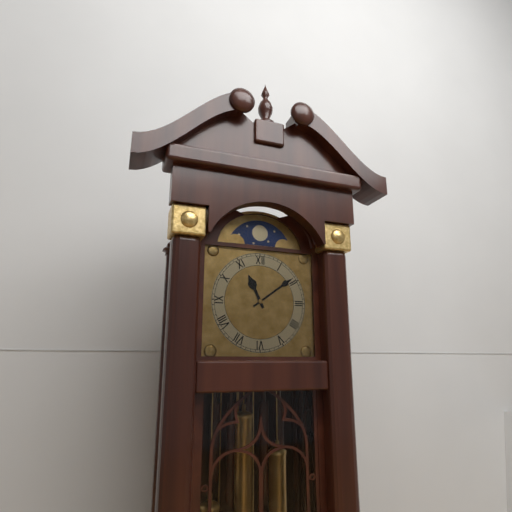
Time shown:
**11:09**
